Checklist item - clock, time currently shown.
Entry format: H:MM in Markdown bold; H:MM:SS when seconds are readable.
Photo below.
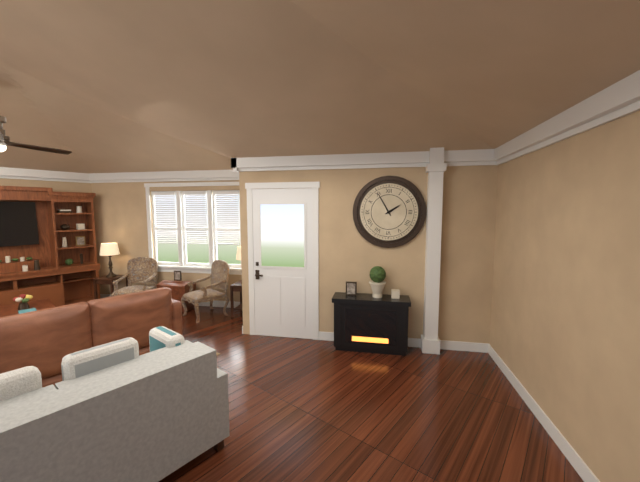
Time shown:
**1:55**
